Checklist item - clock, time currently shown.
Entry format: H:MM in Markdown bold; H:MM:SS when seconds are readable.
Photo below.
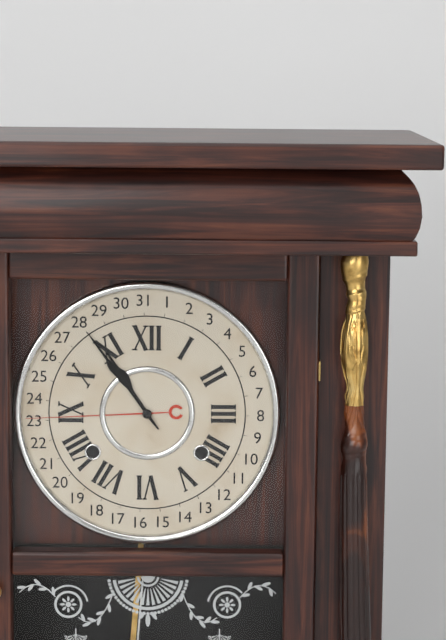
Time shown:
**10:54**
